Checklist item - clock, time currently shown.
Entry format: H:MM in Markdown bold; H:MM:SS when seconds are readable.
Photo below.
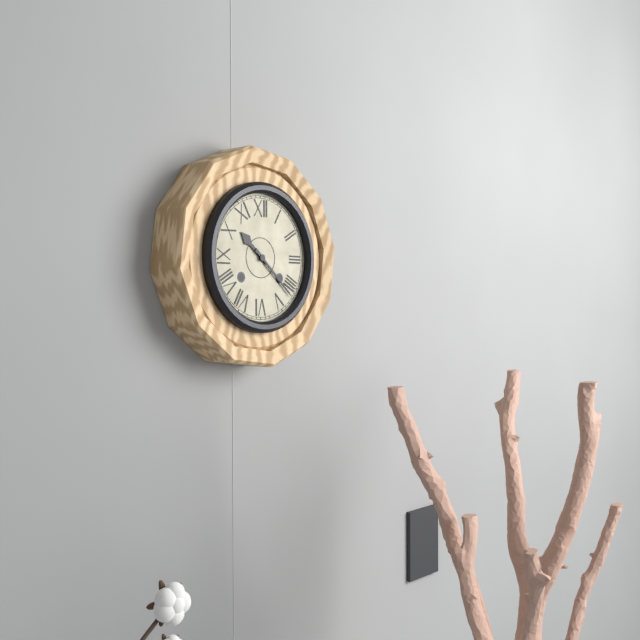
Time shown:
**10:22**
